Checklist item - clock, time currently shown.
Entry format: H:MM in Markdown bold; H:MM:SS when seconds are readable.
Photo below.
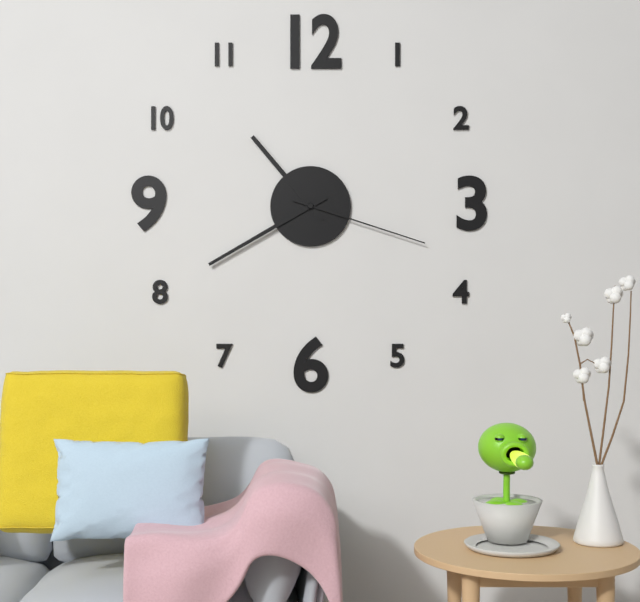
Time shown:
**10:40:18**
